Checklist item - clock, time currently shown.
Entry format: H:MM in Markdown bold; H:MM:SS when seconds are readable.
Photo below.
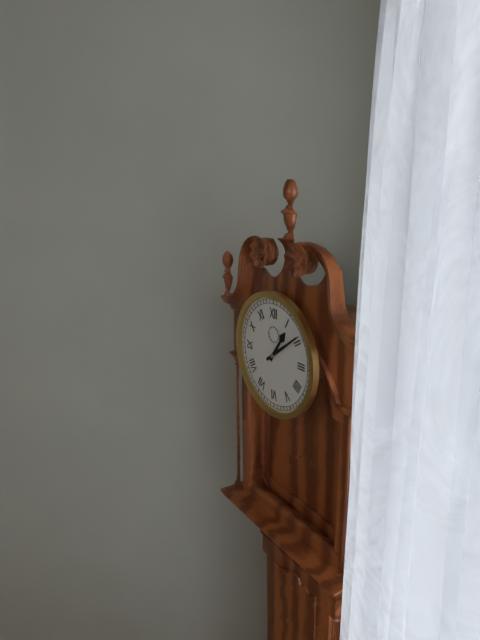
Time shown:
**1:09**
